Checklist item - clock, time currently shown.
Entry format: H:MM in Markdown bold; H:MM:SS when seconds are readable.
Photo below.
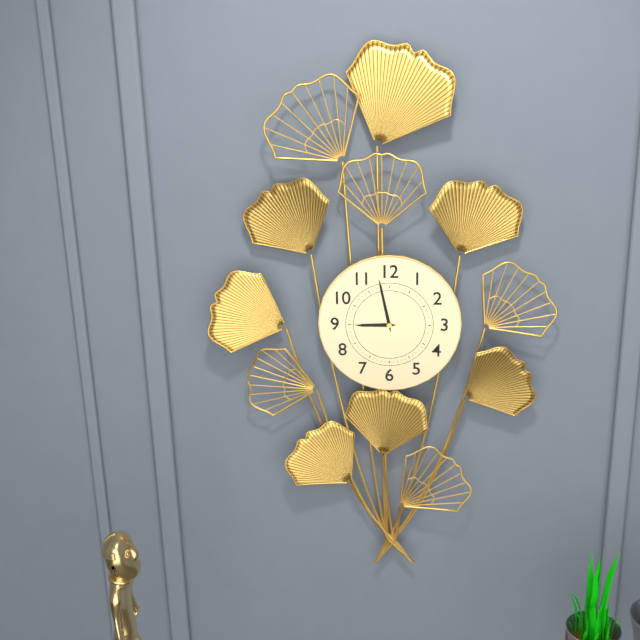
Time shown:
**8:58**
